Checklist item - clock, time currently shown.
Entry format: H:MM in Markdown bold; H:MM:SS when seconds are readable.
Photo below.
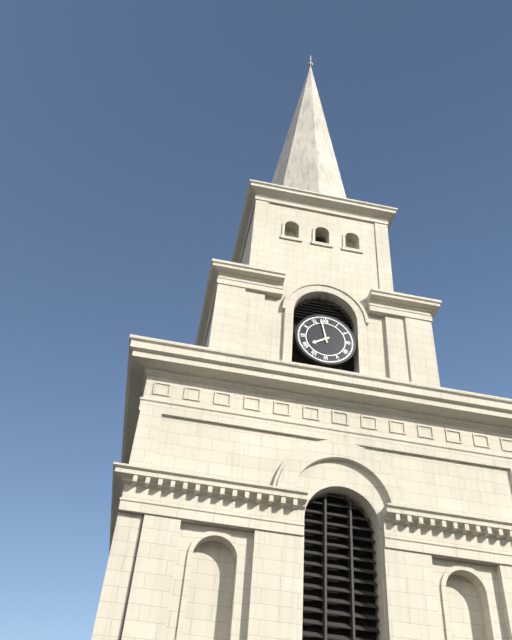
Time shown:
**7:58**
